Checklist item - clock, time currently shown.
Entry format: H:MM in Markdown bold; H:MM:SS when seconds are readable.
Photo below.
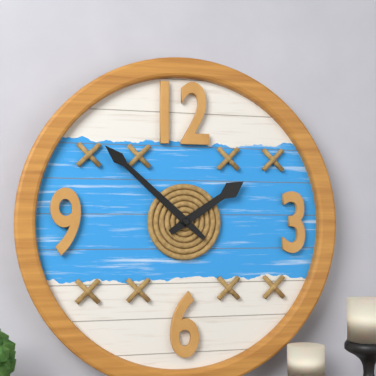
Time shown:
**1:52**
